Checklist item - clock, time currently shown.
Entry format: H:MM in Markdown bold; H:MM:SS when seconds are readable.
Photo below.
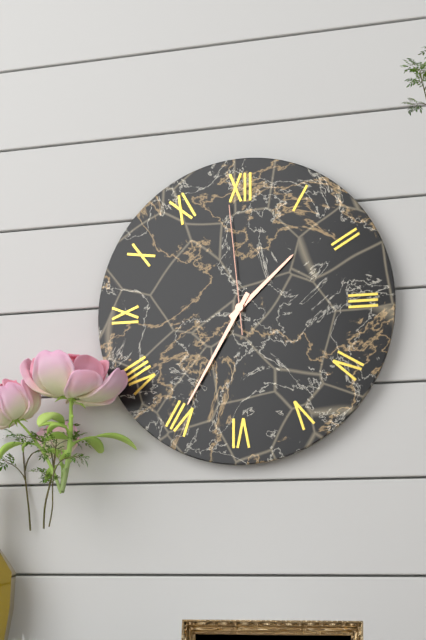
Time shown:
**1:35:59**
